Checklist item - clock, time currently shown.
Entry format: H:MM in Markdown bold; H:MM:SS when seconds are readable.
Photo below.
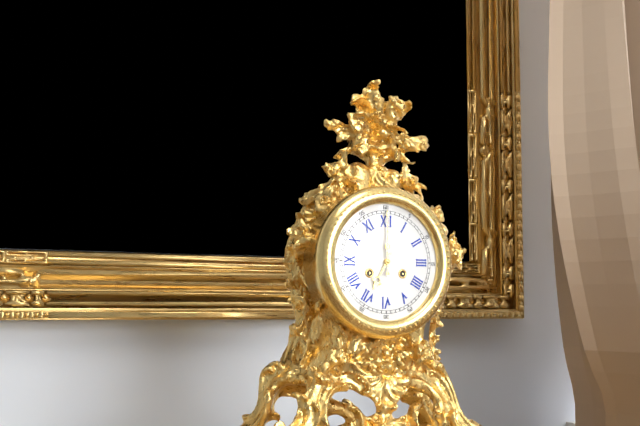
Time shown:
**7:00**
